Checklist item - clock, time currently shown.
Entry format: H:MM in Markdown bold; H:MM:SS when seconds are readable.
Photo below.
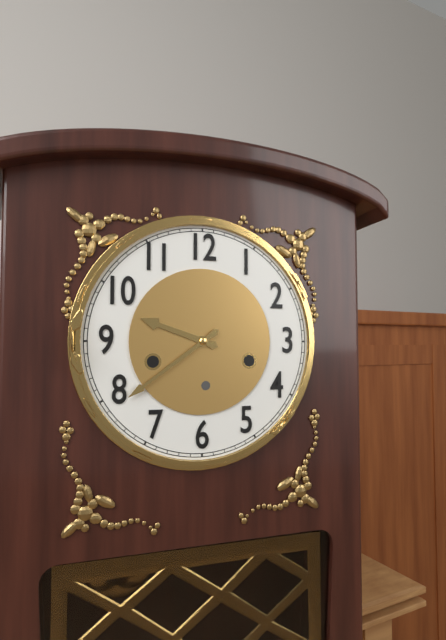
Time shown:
**9:39**
